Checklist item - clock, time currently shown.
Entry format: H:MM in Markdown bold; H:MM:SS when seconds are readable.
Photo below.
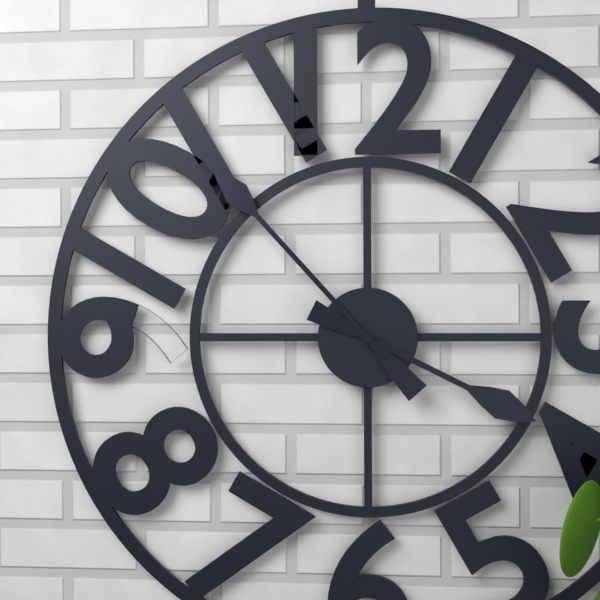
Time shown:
**3:53**
